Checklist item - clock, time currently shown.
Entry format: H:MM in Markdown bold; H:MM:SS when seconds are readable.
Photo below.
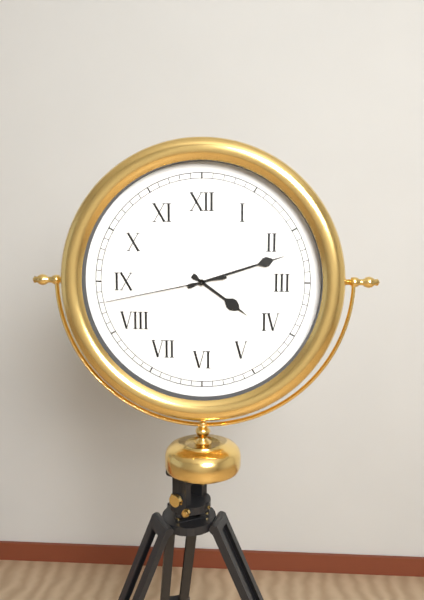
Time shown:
**4:12:43**
